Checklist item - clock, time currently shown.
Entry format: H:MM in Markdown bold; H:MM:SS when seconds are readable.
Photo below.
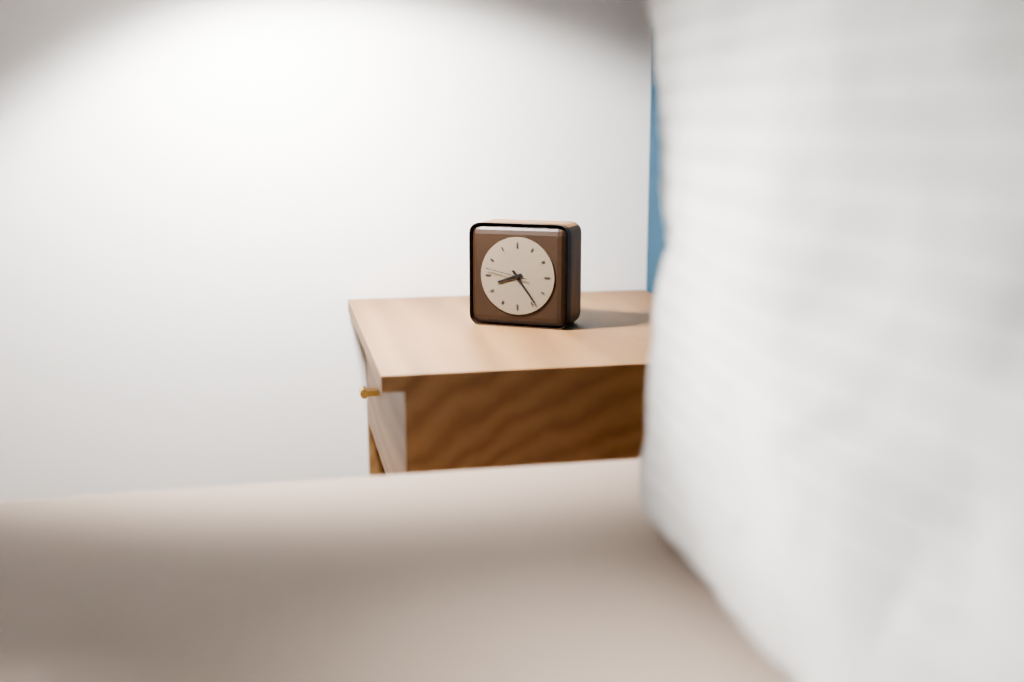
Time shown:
**8:24**
